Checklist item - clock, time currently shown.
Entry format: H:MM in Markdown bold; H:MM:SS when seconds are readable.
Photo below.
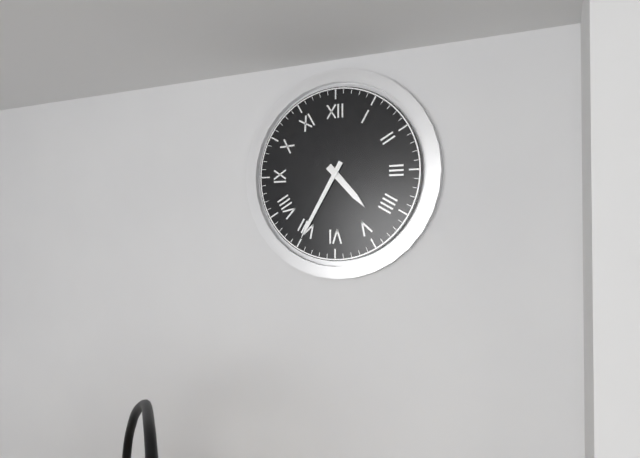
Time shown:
**4:35**
